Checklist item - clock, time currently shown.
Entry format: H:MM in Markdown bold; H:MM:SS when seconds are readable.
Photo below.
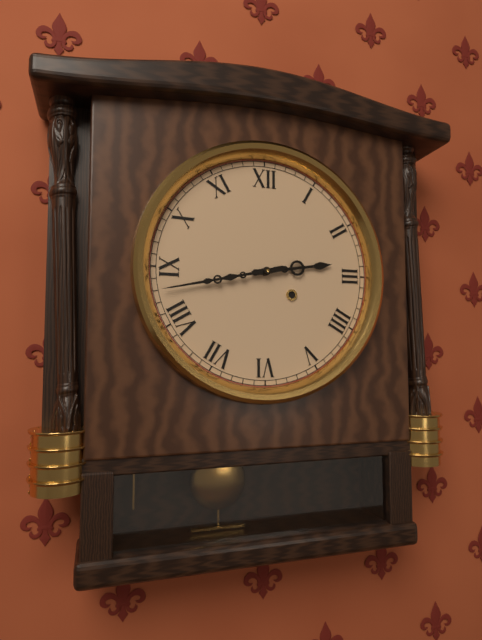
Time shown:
**2:43**
